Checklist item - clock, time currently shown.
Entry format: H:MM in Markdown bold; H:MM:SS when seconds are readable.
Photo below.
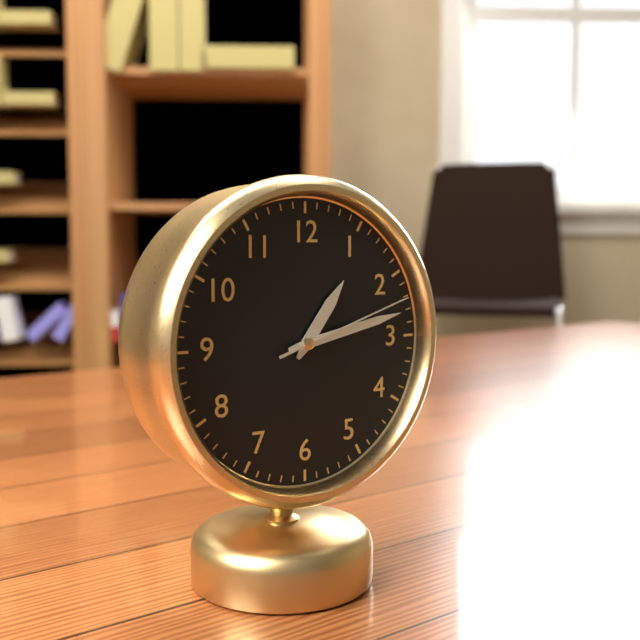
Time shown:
**1:13:12**
